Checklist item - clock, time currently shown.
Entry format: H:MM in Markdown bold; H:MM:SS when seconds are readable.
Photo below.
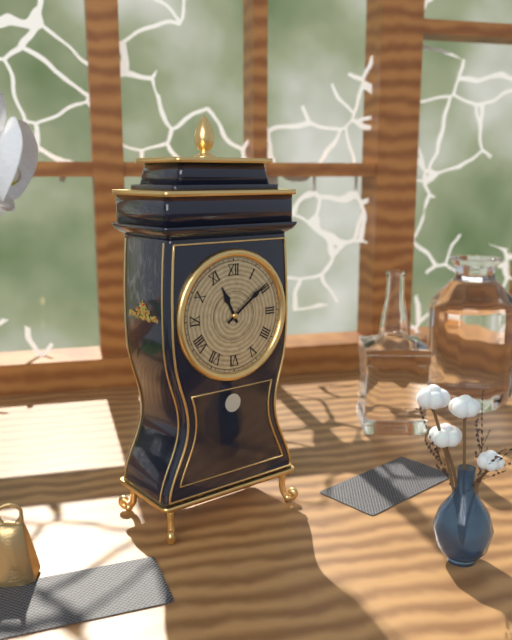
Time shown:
**11:09**
